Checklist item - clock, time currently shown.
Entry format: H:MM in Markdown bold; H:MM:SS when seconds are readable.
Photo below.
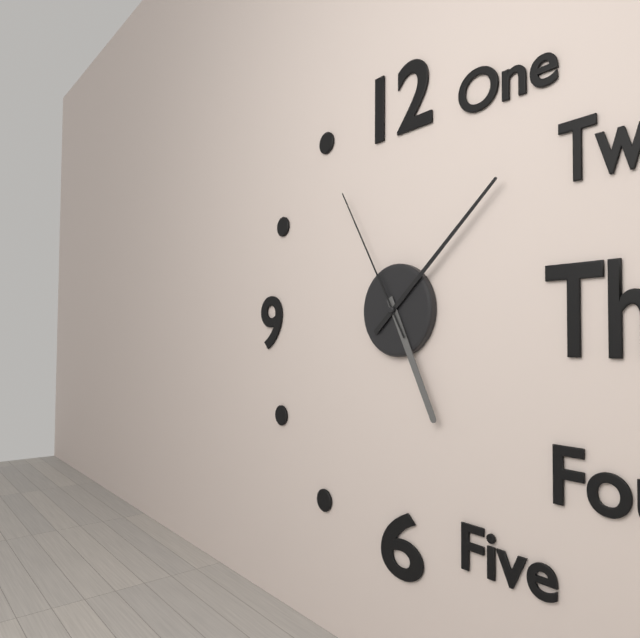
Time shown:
**5:08:55**
